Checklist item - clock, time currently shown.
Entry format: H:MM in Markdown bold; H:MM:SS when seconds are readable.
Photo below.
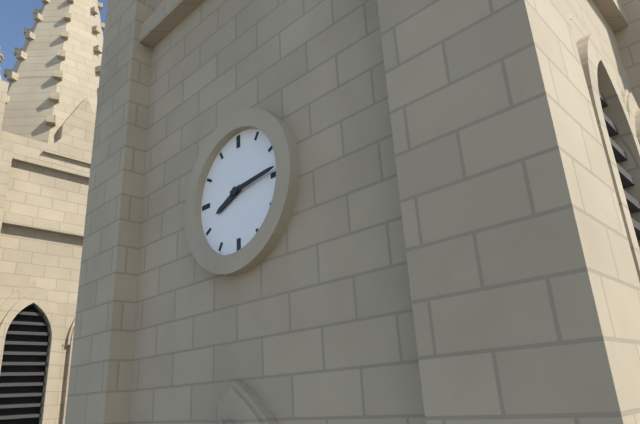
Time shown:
**8:14**
